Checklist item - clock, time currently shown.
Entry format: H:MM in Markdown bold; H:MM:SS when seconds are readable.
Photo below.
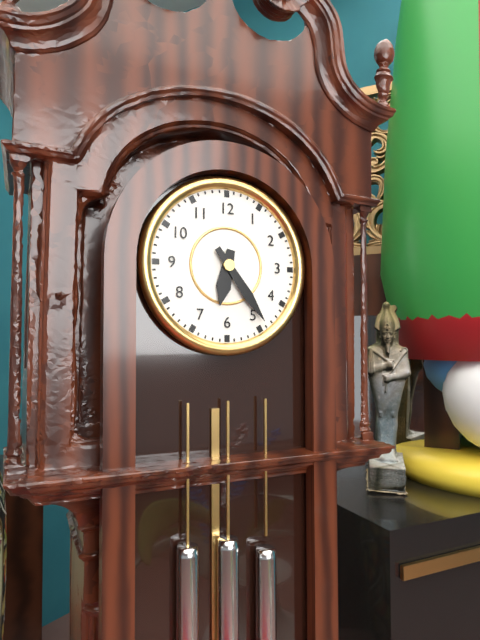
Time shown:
**6:24**
